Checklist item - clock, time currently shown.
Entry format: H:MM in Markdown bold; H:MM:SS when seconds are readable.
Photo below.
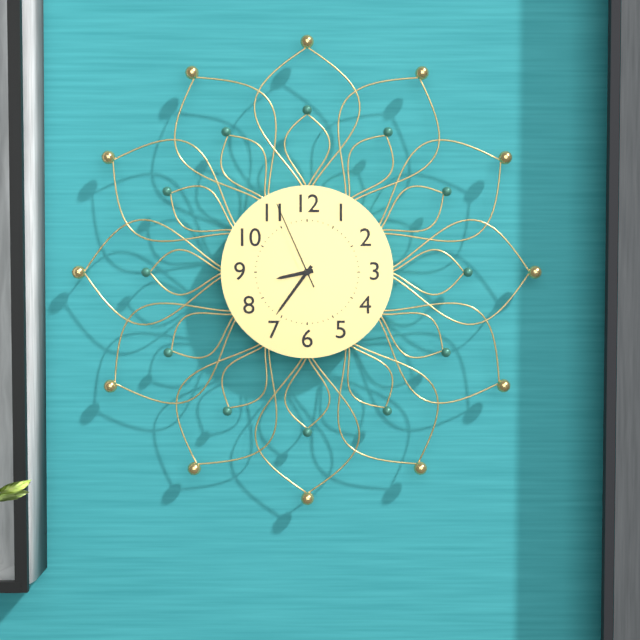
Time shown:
**8:36:56**
